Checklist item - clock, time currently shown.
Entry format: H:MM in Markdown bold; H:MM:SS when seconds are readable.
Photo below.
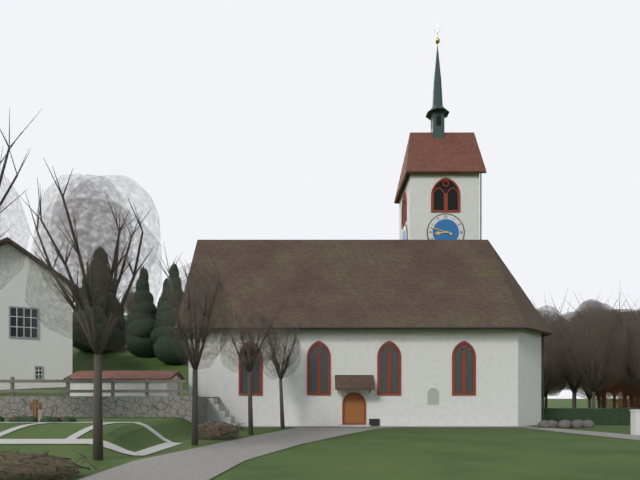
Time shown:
**8:48**
